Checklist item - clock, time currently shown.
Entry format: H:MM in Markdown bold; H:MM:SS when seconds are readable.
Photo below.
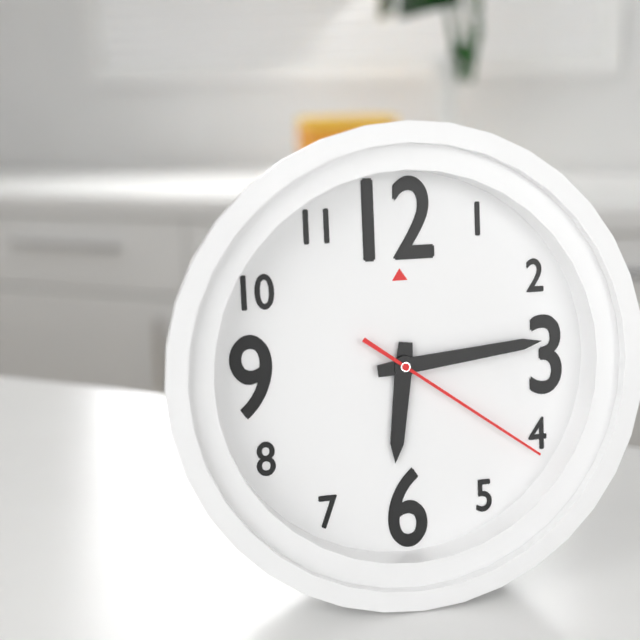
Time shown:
**6:14:21**
